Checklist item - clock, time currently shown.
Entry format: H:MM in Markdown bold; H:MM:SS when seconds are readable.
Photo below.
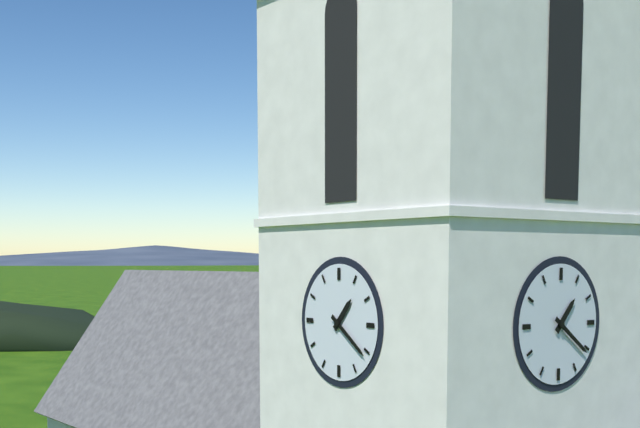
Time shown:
**1:21**
